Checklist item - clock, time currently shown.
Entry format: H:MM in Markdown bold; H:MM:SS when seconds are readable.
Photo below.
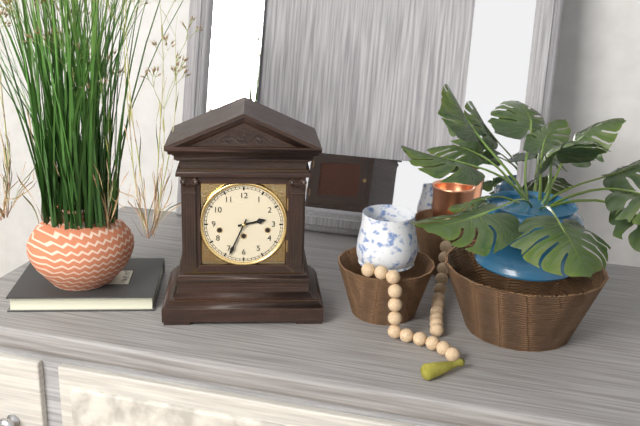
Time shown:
**2:34**
